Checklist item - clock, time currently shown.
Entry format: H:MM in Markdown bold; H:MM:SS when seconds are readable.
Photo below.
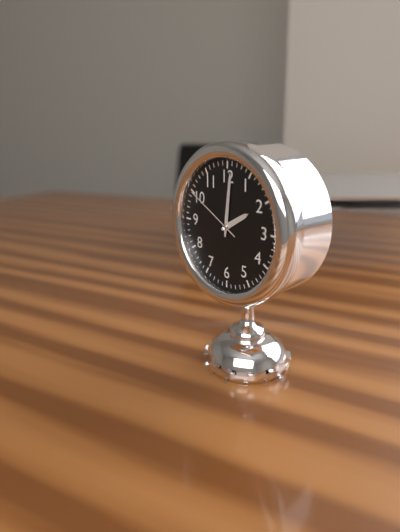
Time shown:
**2:01:50**
